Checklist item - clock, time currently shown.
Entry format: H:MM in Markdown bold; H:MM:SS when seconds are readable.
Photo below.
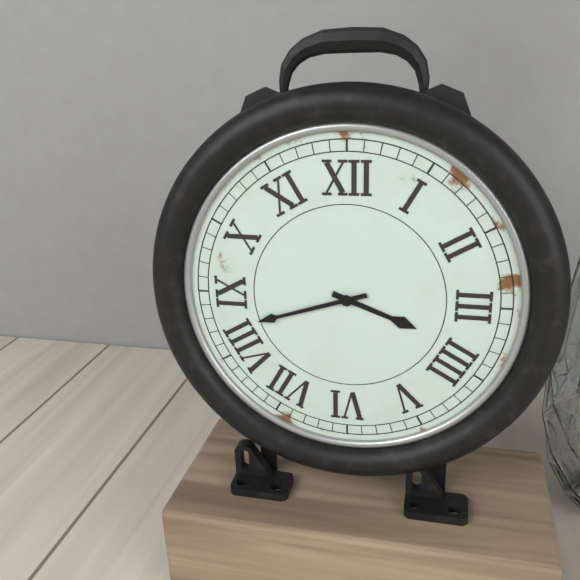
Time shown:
**3:42**
